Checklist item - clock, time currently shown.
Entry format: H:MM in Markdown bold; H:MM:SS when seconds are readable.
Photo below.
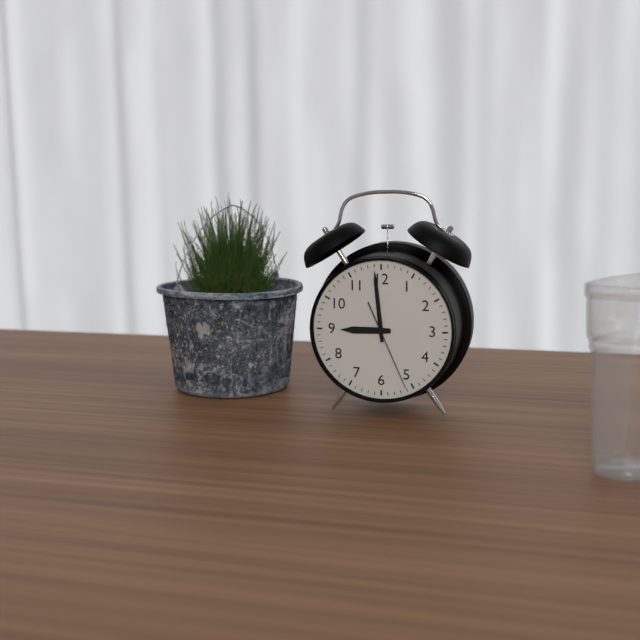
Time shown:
**8:59:26**
